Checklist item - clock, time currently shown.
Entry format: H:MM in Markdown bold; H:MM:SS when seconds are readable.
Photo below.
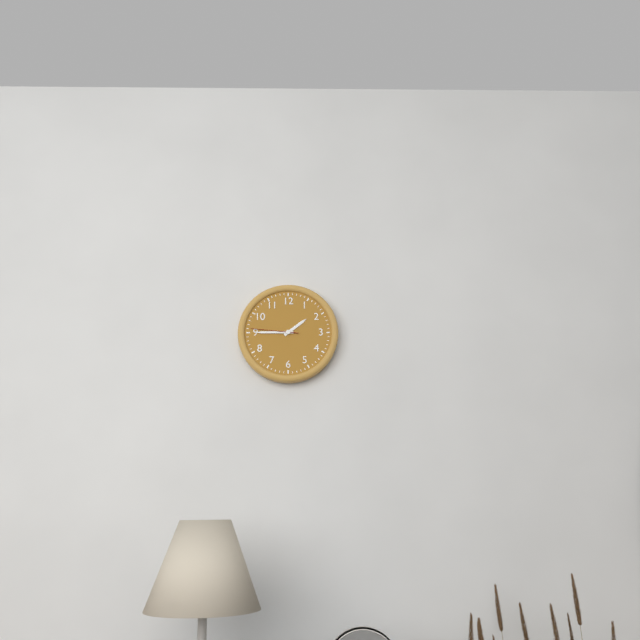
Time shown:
**1:45**
